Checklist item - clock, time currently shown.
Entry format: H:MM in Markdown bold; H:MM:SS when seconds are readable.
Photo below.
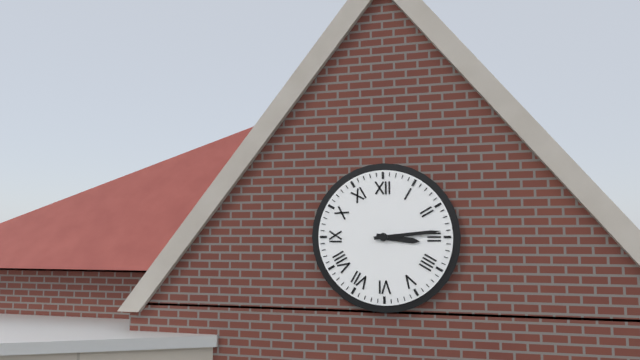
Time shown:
**3:14**
